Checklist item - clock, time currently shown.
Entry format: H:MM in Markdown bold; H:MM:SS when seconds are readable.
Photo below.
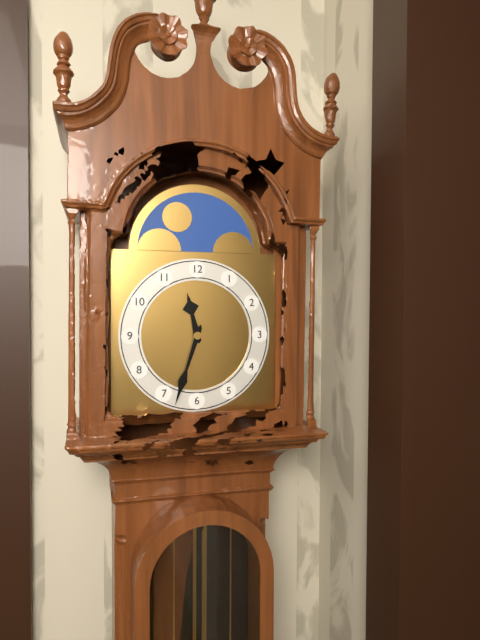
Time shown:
**11:33**
